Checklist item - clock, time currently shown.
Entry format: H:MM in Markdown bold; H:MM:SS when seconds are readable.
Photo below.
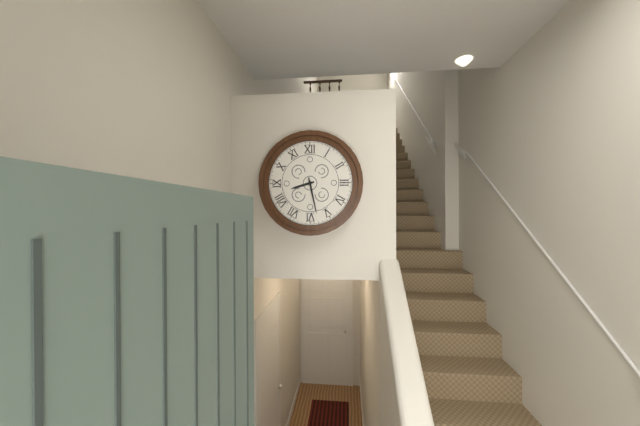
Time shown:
**8:28**
